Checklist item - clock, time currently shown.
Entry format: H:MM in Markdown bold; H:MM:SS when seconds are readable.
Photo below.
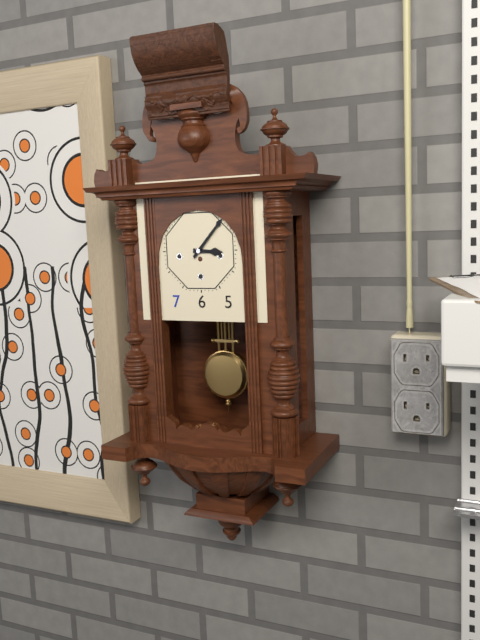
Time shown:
**3:07**
